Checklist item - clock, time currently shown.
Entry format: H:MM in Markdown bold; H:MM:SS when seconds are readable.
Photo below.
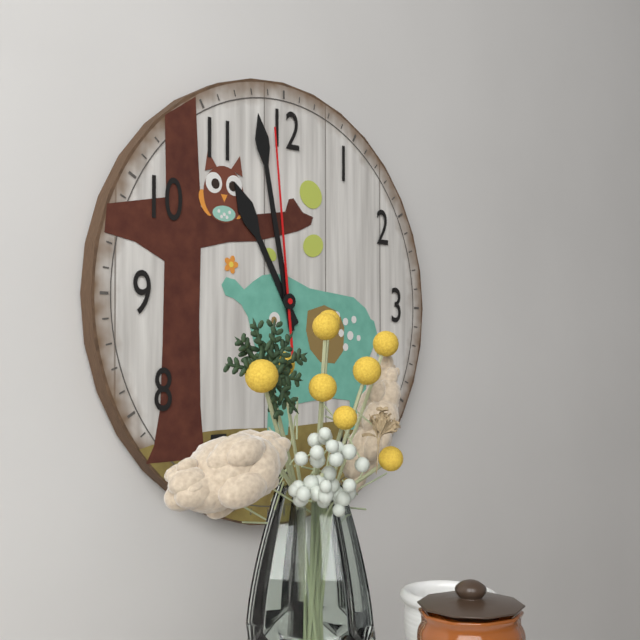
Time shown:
**10:58:59**
